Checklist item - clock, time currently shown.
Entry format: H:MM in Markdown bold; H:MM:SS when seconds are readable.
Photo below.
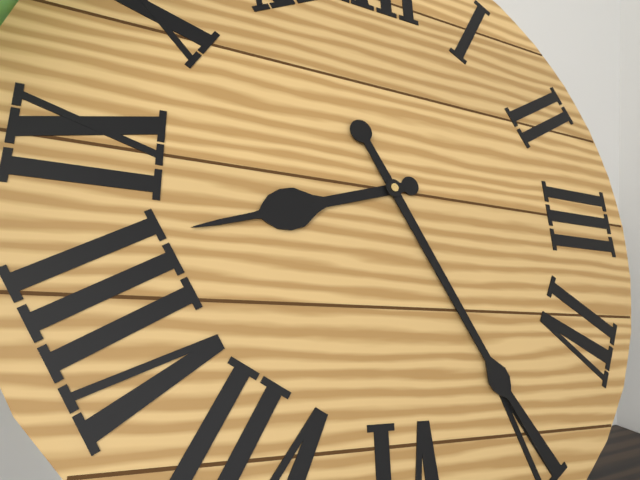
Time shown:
**8:25**
